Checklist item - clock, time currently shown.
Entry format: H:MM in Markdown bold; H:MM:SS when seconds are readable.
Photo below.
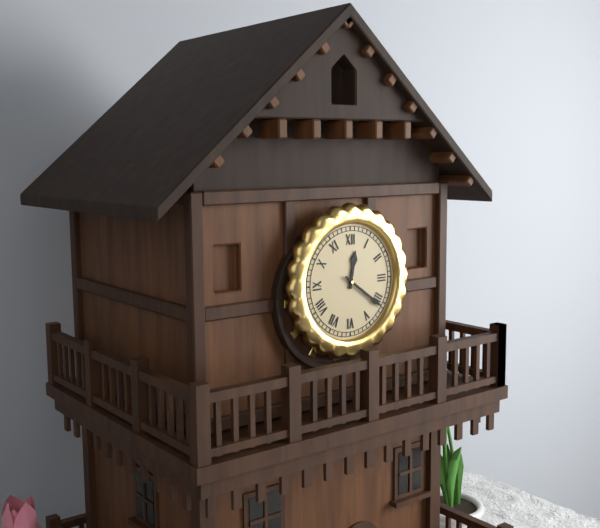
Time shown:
**12:21**
